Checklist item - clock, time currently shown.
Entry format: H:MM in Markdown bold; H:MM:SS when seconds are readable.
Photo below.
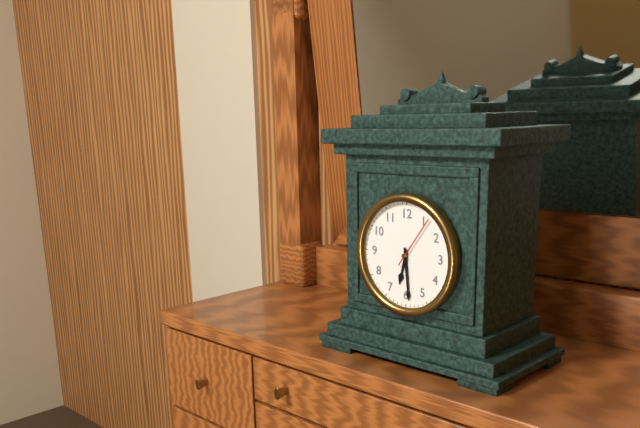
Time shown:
**6:29:06**
